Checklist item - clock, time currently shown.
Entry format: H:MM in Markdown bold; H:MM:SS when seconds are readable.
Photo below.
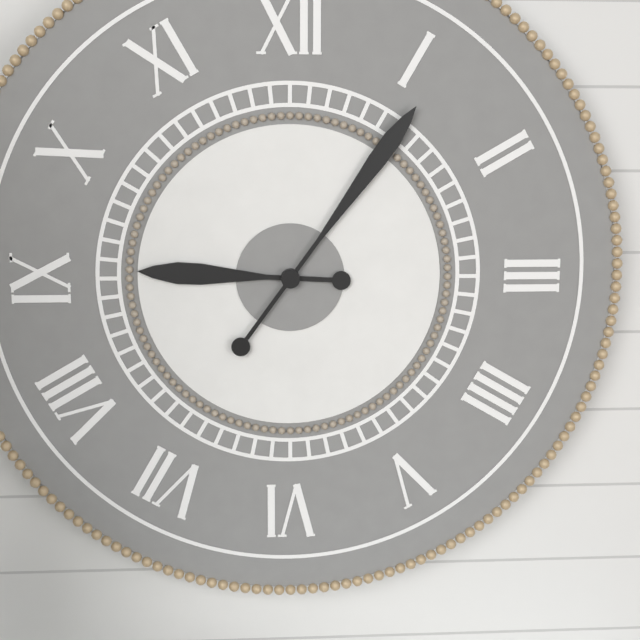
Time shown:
**9:06**
